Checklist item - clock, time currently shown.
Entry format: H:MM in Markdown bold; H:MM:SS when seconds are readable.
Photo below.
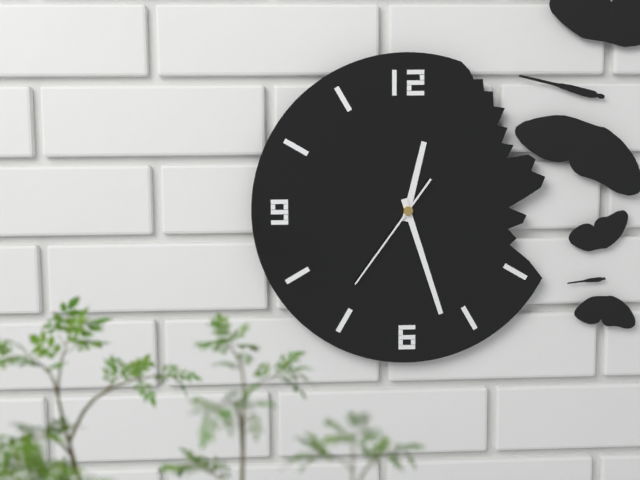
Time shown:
**12:27:36**
